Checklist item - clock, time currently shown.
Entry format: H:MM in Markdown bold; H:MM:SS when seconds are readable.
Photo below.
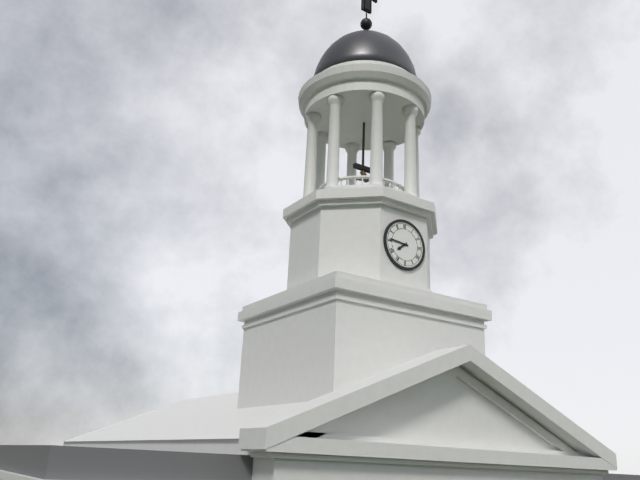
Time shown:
**7:46**
